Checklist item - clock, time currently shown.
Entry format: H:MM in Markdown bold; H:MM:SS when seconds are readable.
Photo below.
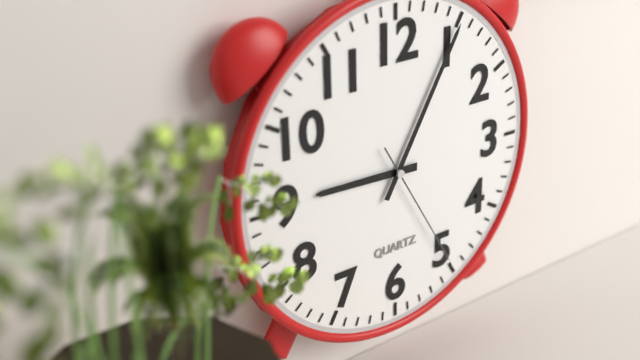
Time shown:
**9:05:25**
